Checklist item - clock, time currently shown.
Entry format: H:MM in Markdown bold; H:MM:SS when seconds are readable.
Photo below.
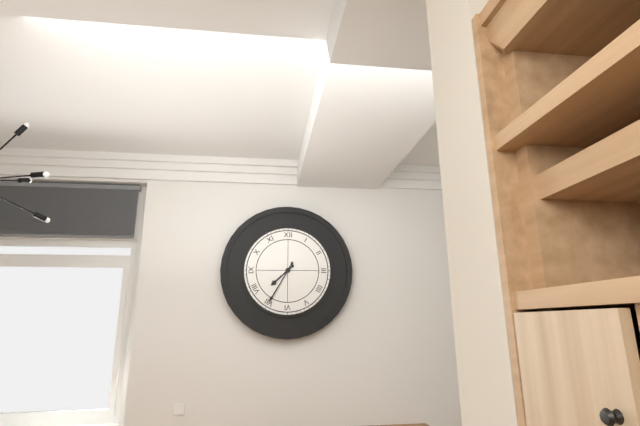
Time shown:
**7:35**
